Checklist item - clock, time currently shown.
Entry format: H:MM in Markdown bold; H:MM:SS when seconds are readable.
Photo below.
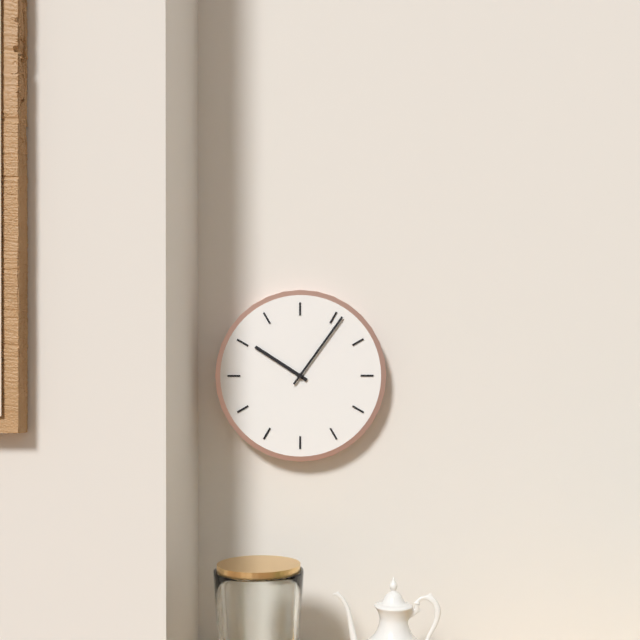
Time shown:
**10:06**
